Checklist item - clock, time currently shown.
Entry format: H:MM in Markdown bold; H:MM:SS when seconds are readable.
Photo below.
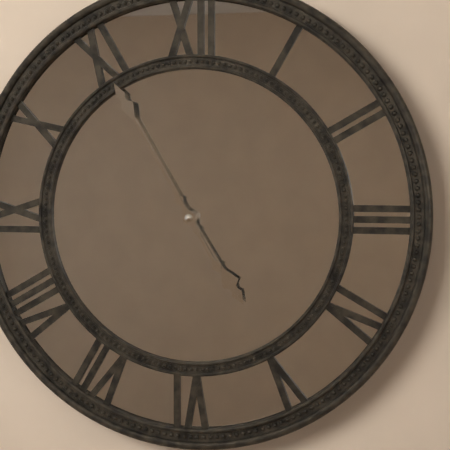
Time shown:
**4:55**
